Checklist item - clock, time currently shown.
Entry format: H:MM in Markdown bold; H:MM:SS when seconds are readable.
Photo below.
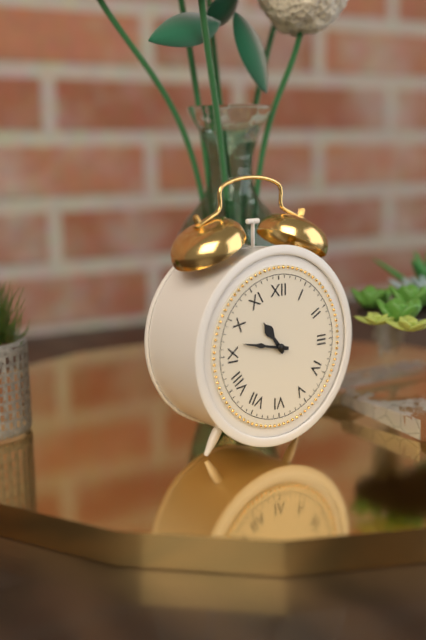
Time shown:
**10:47**
